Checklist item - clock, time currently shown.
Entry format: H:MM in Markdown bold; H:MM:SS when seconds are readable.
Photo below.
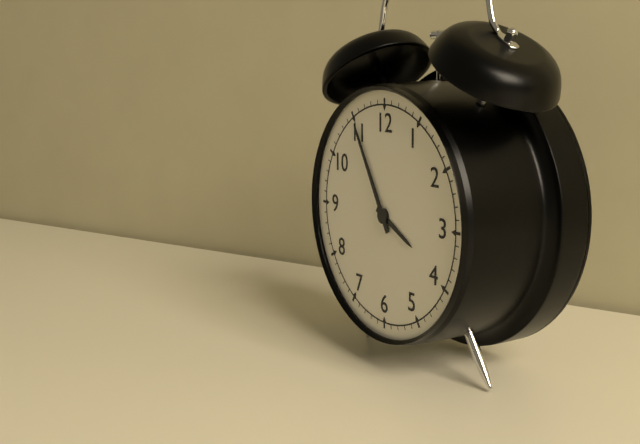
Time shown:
**3:55**
